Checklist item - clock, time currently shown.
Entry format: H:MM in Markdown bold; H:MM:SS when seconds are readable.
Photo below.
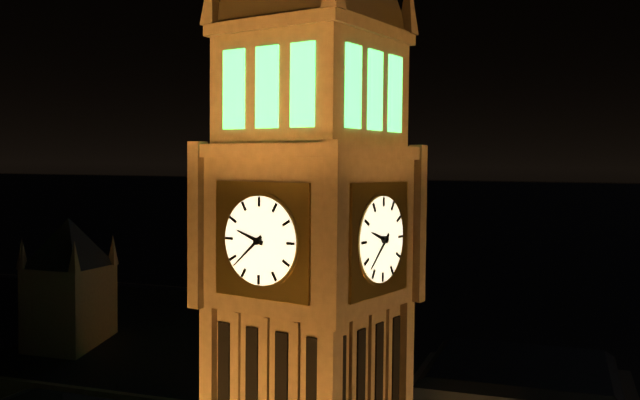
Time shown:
**9:38**
